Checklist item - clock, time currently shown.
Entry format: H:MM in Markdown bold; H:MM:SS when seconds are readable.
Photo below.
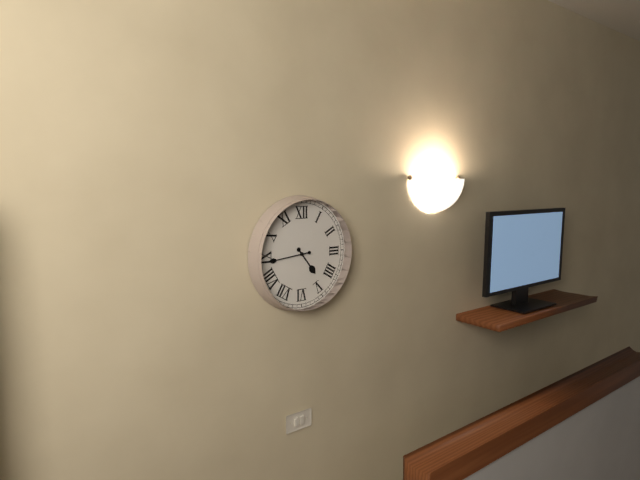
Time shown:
**4:44**
